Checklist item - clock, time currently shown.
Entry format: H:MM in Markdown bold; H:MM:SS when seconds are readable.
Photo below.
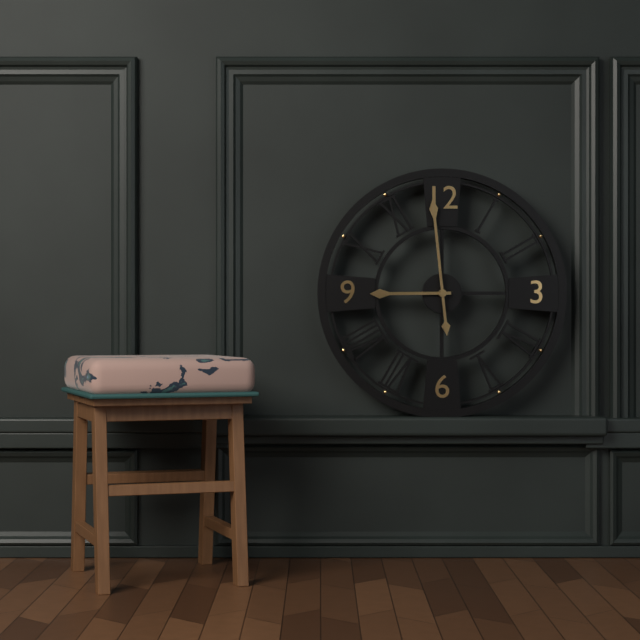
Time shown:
**8:59**
